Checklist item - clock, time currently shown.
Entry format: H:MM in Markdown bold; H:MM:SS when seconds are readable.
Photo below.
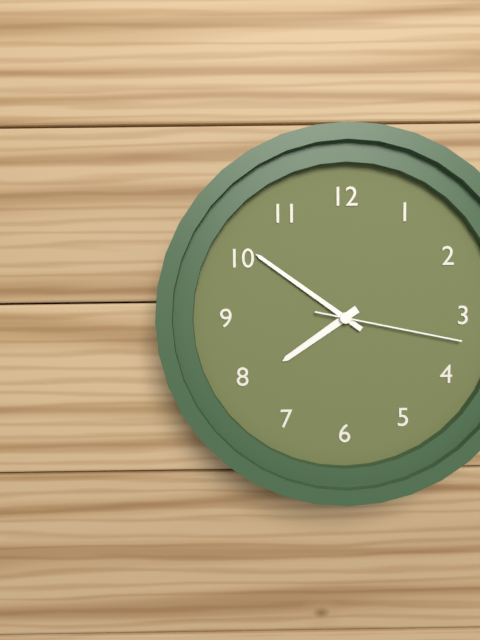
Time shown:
**7:51:17**
